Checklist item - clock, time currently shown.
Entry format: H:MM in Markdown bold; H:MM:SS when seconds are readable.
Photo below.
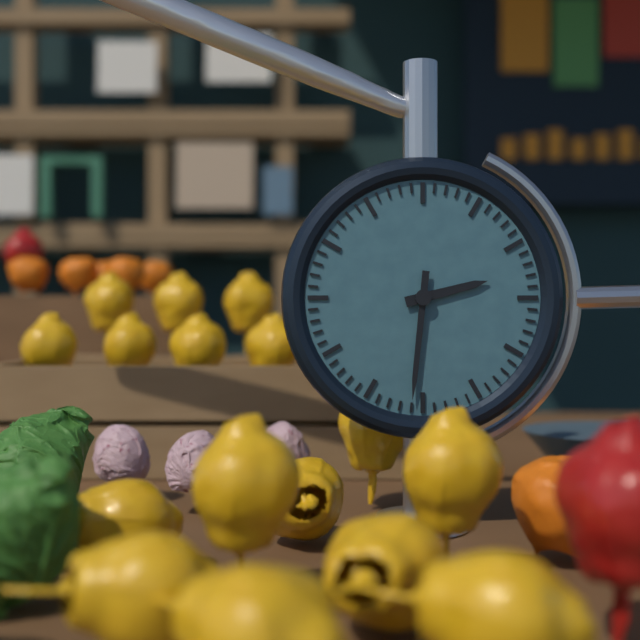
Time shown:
**2:31**
